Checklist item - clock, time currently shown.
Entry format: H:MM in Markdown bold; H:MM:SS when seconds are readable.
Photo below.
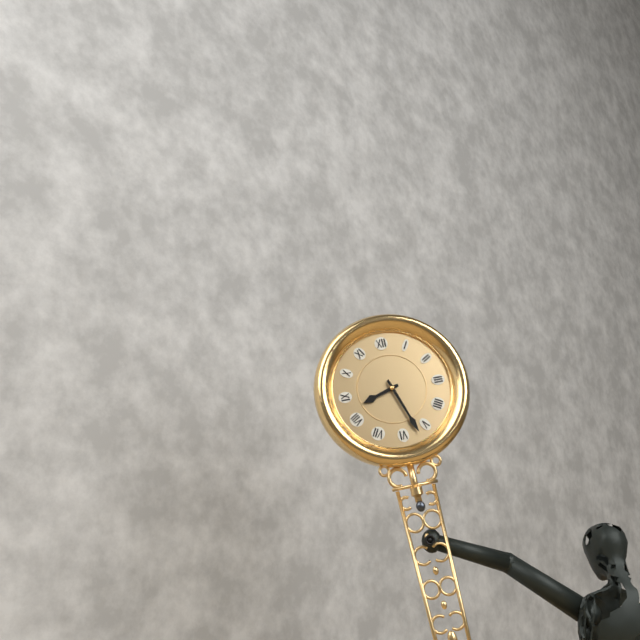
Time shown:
**8:27**
